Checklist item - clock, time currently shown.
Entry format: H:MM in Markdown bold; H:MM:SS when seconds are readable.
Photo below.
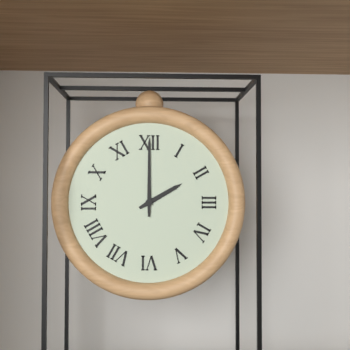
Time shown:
**2:00**
